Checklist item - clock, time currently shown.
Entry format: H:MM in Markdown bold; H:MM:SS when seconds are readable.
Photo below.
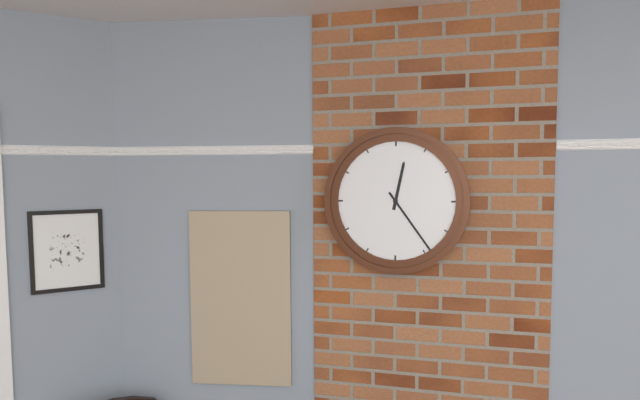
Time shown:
**12:24**
